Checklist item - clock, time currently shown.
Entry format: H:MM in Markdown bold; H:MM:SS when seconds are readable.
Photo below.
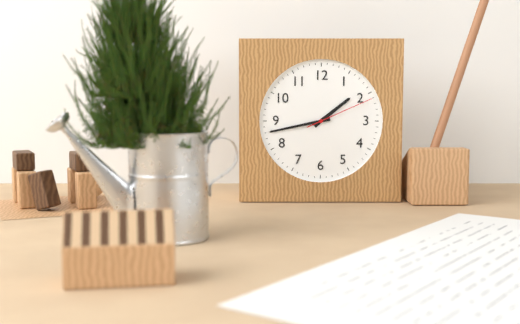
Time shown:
**1:43:11**
